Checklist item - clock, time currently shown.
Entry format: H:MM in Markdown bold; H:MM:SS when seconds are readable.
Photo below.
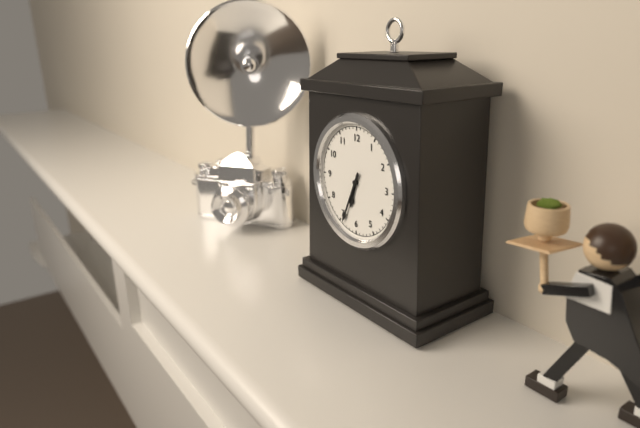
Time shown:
**6:34**
